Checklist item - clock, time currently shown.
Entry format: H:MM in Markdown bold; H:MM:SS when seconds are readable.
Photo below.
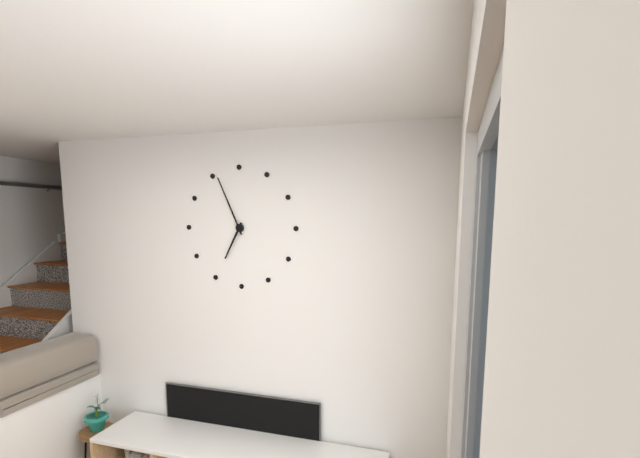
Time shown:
**6:56**
